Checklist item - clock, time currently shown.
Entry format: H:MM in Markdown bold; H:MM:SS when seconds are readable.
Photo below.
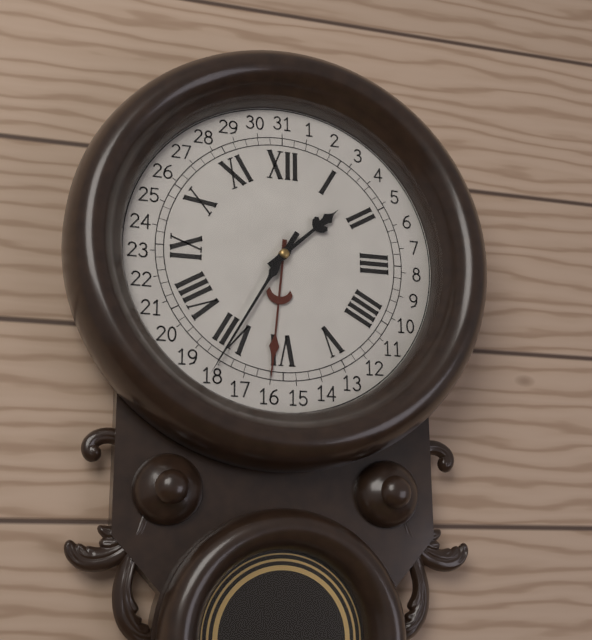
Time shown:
**1:35**
